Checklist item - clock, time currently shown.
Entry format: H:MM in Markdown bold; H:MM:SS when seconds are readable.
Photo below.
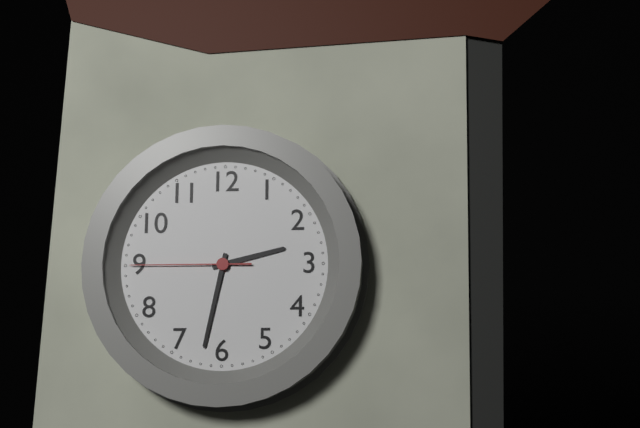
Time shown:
**2:32:45**
